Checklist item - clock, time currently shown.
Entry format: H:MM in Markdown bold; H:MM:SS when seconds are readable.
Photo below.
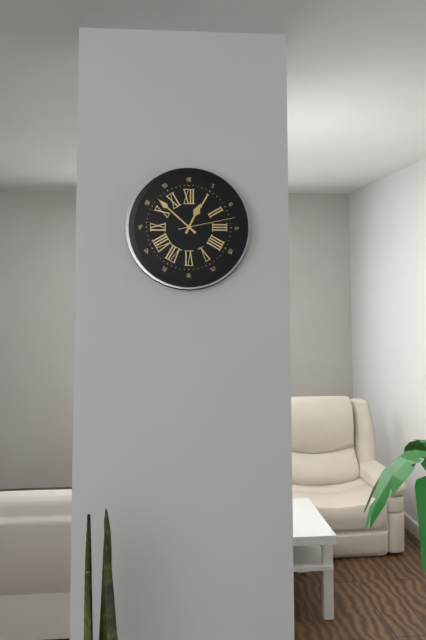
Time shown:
**12:52:13**
